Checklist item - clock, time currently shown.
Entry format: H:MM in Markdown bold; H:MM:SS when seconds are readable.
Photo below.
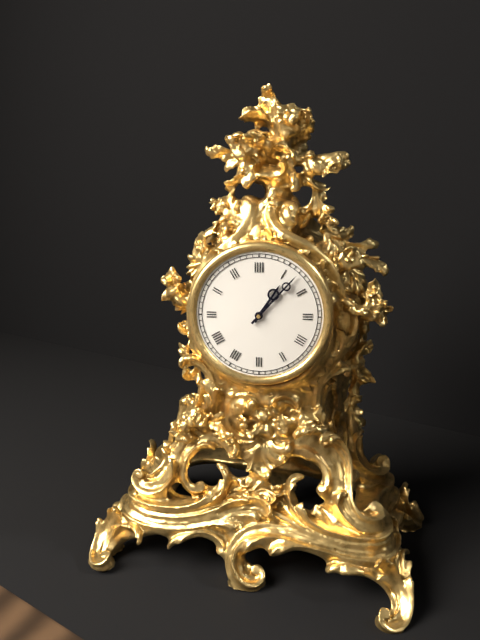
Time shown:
**1:07**
